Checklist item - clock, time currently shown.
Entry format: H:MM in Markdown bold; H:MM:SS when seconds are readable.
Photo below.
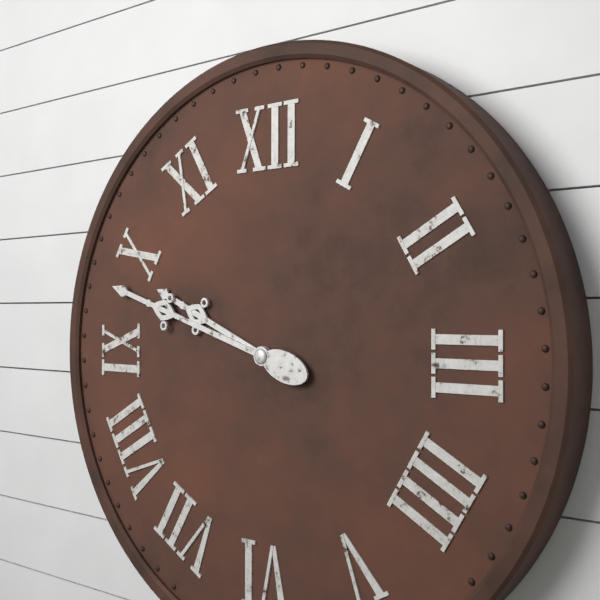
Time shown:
**9:48**
